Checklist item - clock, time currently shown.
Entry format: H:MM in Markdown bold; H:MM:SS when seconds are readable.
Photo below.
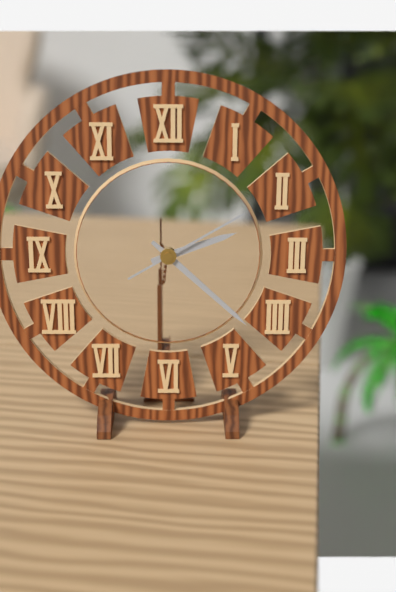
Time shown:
**2:22:10**
